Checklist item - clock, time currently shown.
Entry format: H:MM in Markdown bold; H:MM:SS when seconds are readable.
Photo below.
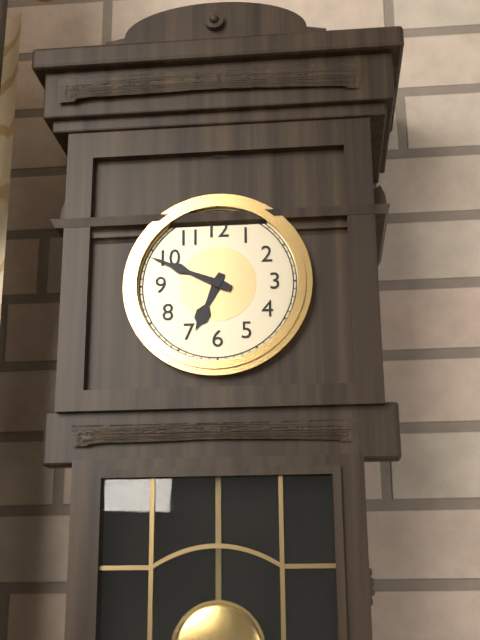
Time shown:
**6:49**
